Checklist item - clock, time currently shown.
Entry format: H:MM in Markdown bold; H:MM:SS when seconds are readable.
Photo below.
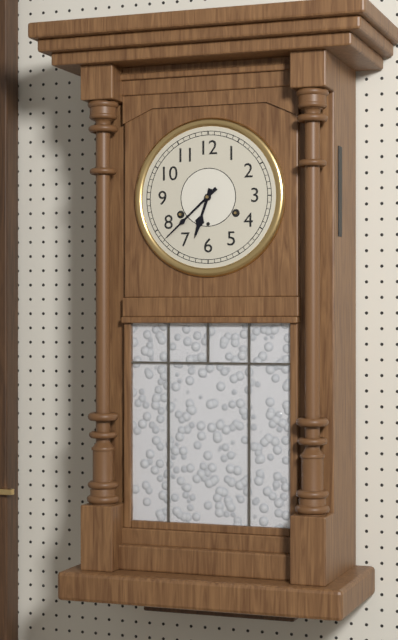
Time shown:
**6:38**
